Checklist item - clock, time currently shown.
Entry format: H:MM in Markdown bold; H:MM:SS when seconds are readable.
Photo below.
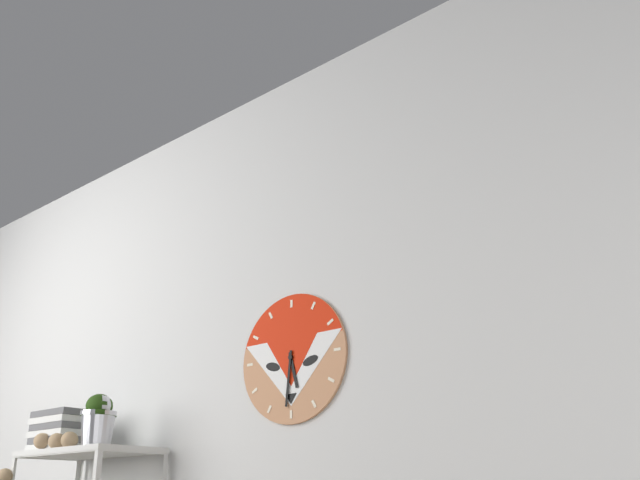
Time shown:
**5:31**
